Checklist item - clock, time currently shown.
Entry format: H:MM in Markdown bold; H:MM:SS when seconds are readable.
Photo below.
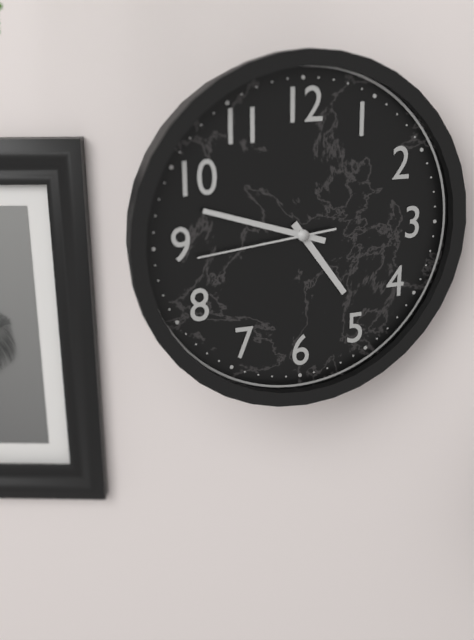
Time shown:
**4:48:44**
